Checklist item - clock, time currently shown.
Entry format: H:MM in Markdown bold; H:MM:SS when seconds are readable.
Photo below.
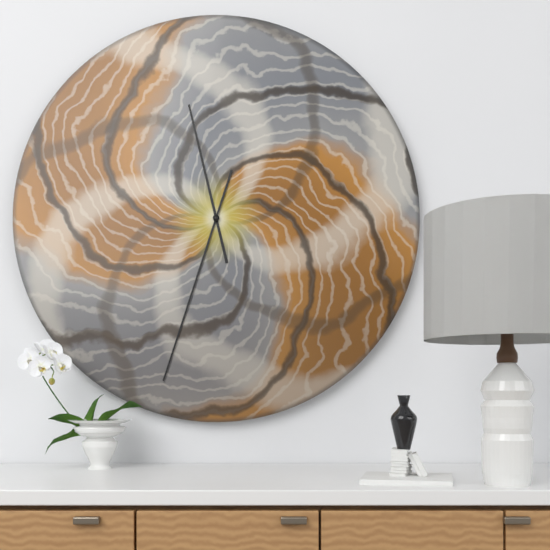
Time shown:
**11:33**
